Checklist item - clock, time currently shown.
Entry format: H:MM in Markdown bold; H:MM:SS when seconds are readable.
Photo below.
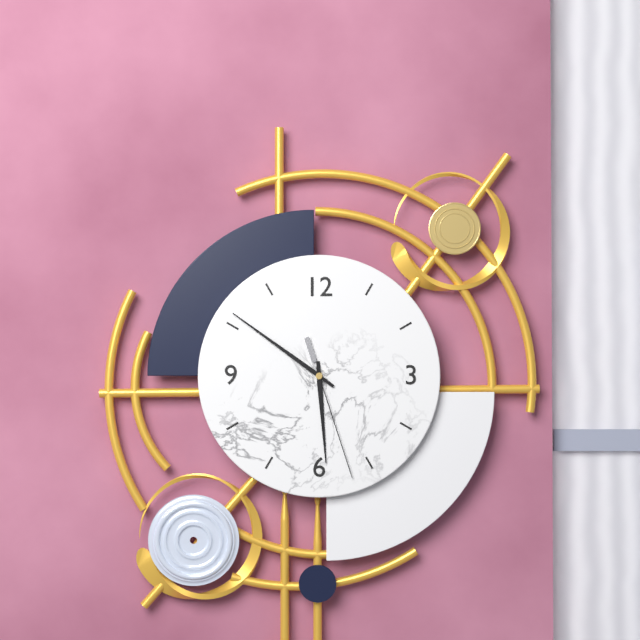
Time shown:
**5:51:27**
